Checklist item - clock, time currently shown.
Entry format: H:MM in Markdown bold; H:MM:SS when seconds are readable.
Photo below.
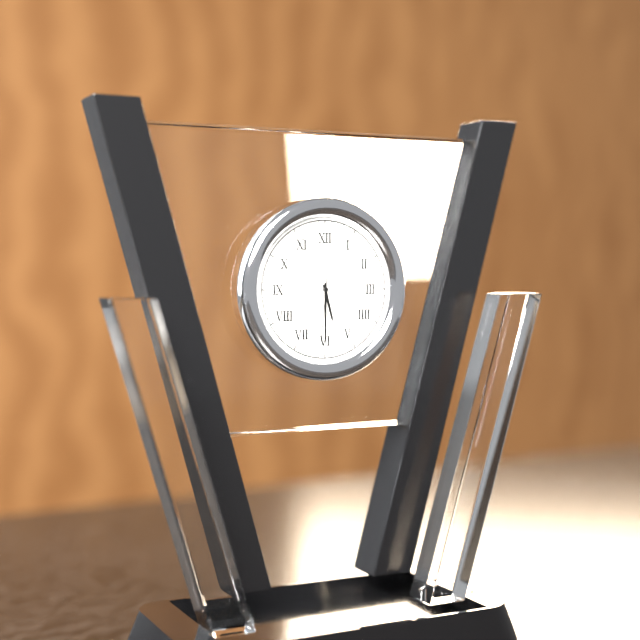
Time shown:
**5:30:31**
